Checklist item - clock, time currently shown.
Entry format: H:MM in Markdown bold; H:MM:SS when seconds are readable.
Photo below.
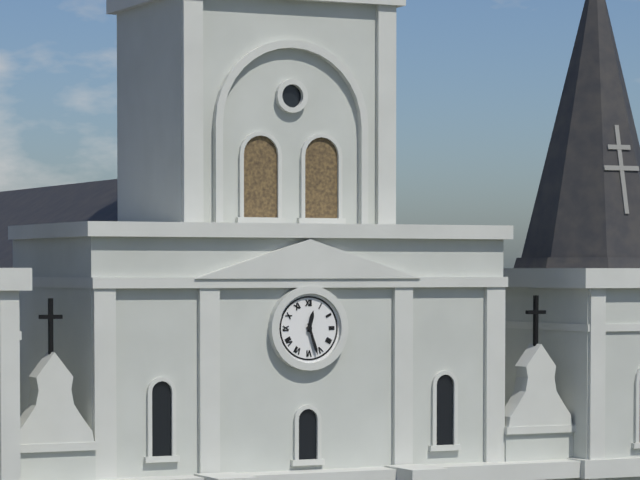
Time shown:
**12:27**
